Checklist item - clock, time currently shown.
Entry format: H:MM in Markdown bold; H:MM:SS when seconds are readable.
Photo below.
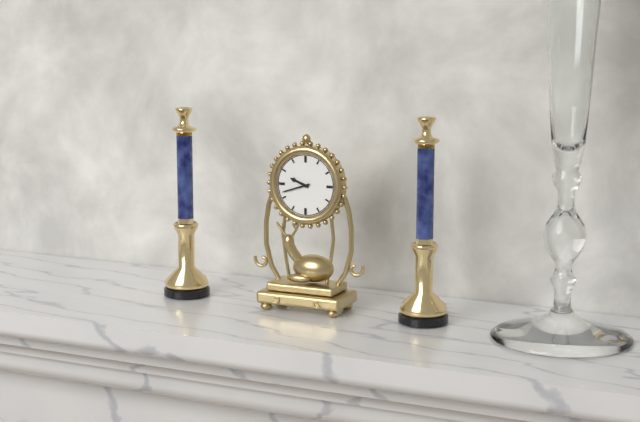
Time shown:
**9:42**
